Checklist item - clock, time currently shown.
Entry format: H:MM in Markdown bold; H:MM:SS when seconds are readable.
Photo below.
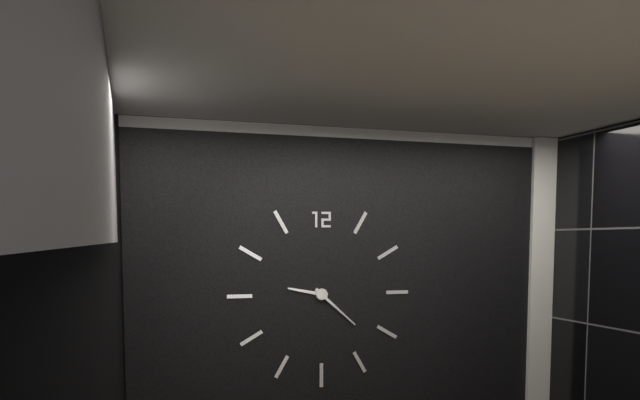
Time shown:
**9:22**
